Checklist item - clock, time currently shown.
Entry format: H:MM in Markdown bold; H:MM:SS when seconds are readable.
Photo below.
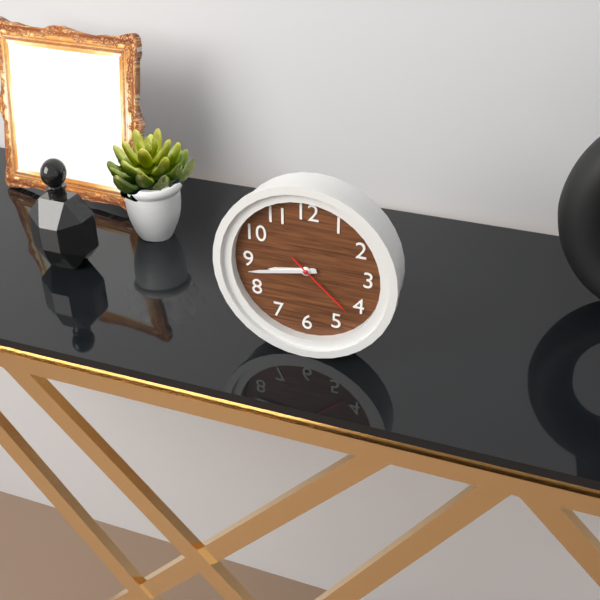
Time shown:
**8:43:22**
